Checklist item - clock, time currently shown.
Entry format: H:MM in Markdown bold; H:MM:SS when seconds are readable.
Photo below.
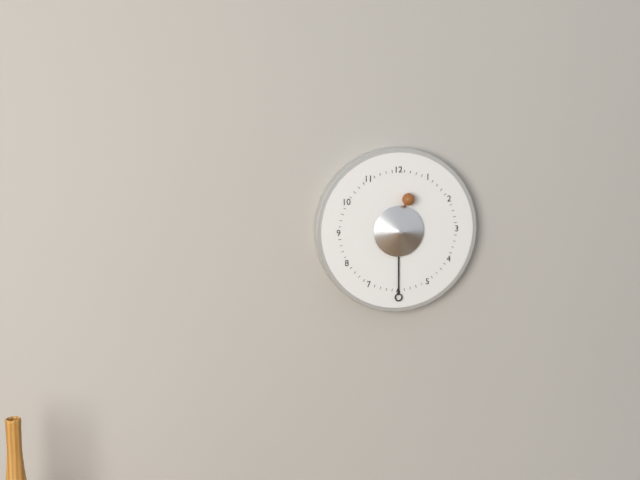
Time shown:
**12:30**
